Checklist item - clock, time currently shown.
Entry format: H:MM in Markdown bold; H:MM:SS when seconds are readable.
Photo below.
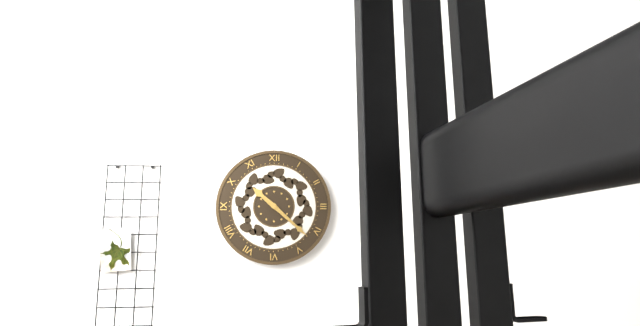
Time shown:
**10:22**
